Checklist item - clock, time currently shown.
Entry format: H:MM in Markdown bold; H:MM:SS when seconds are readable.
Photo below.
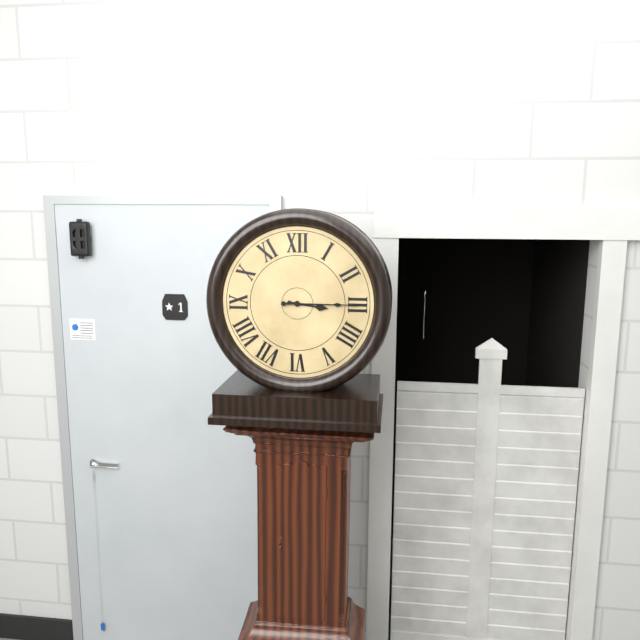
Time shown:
**3:15**
